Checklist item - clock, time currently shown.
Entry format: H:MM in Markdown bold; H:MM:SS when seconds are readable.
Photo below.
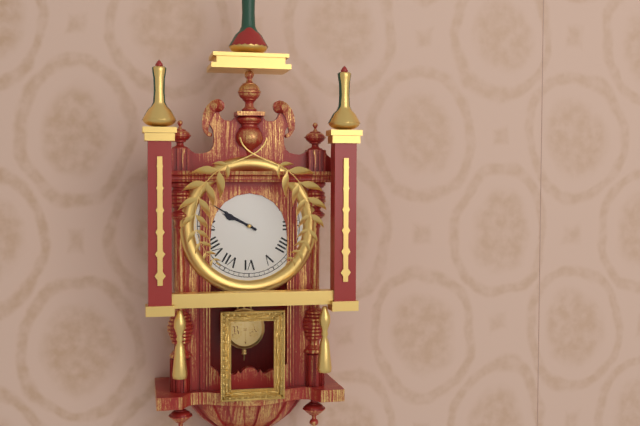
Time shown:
**9:50**
